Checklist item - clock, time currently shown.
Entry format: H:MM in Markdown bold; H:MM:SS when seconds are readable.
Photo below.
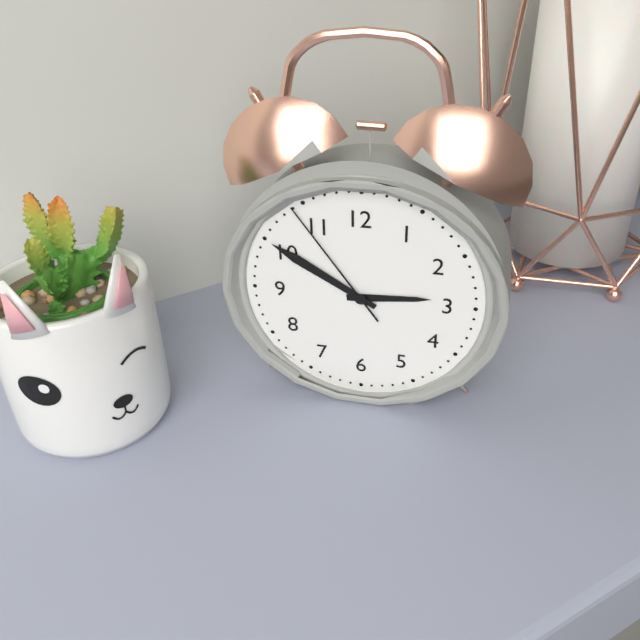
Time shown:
**2:50:54**
